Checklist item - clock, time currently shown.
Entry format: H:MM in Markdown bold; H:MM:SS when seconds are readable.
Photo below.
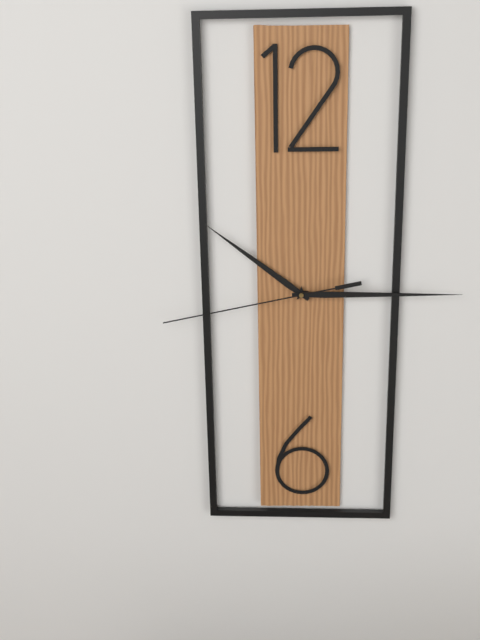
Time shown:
**10:15:43**
